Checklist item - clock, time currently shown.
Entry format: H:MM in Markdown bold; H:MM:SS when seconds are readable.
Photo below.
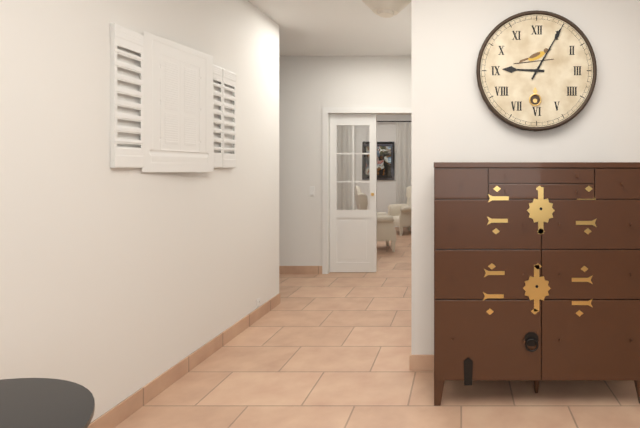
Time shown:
**9:05**
